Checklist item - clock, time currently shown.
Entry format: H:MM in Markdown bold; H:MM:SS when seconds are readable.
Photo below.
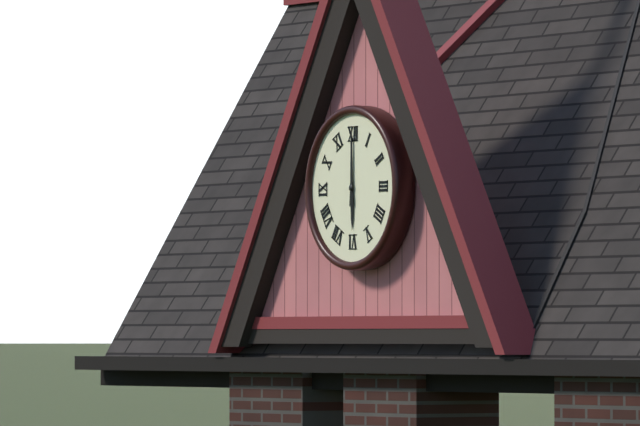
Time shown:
**6:00**
